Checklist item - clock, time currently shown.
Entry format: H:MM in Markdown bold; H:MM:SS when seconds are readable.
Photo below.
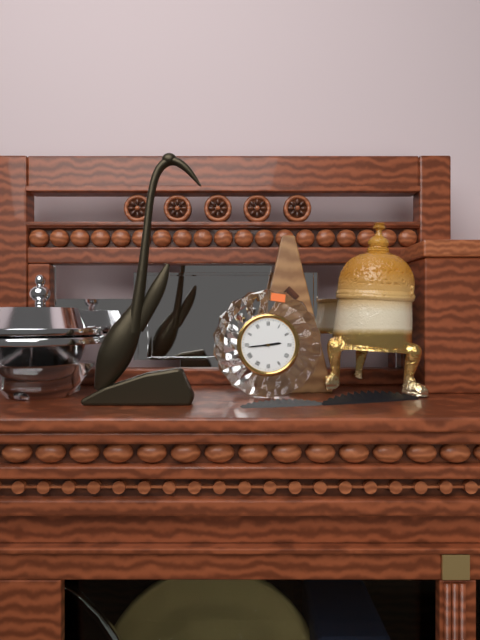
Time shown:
**2:44**
